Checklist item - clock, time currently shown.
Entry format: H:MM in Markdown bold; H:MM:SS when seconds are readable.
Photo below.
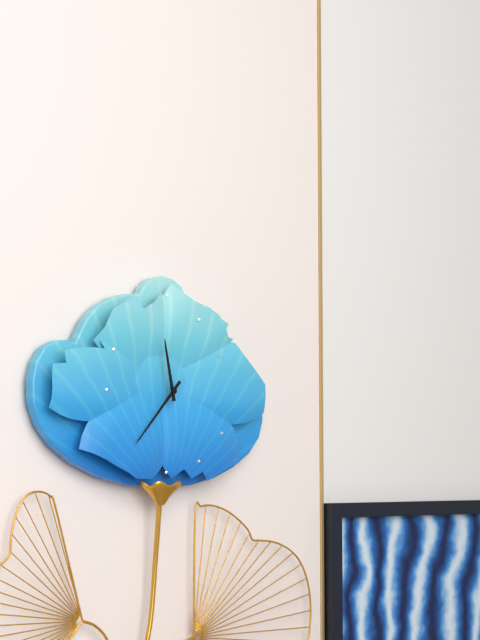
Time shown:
**11:37**
